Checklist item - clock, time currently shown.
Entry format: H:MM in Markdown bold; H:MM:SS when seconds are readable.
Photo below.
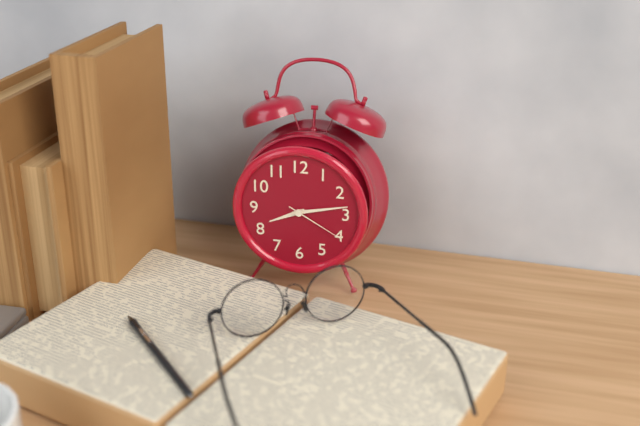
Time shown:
**8:13:20**
